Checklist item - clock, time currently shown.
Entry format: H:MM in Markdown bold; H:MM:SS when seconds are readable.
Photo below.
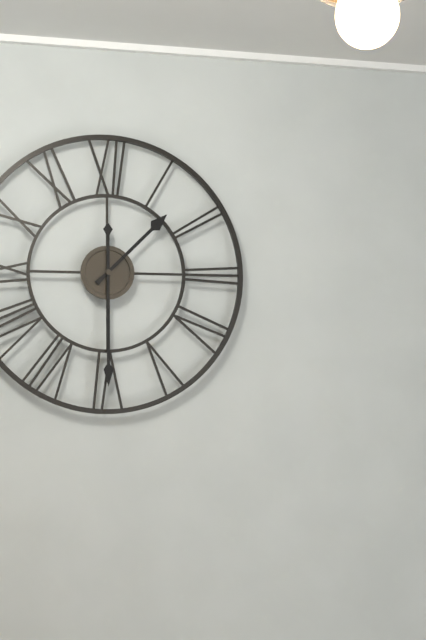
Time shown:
**1:30**
